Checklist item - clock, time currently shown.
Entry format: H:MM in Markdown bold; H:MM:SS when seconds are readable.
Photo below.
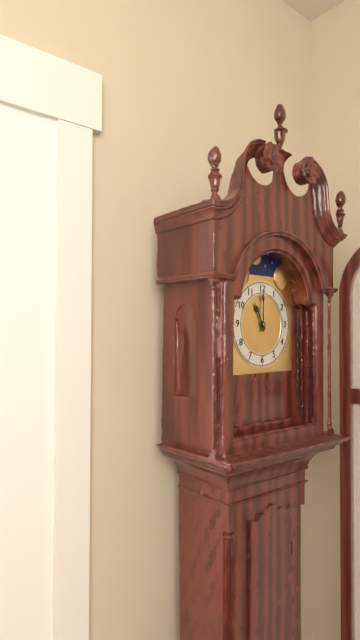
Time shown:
**11:00**
